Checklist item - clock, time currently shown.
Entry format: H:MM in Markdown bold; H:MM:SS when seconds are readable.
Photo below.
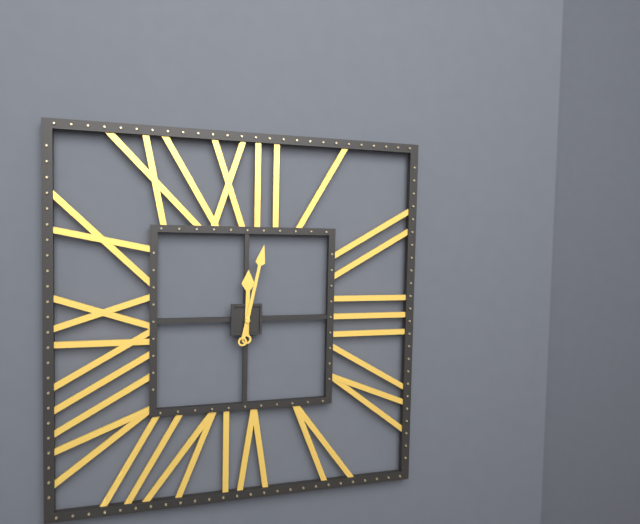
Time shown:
**12:02**
